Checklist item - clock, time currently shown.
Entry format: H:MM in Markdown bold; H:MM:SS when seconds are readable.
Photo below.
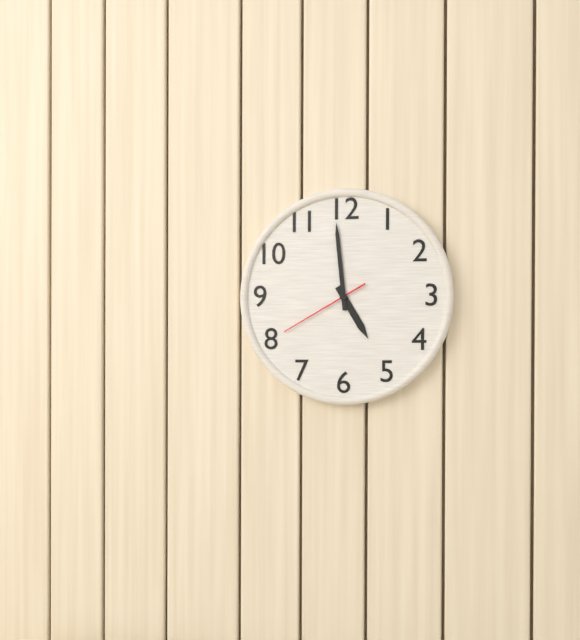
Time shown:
**4:59:40**
